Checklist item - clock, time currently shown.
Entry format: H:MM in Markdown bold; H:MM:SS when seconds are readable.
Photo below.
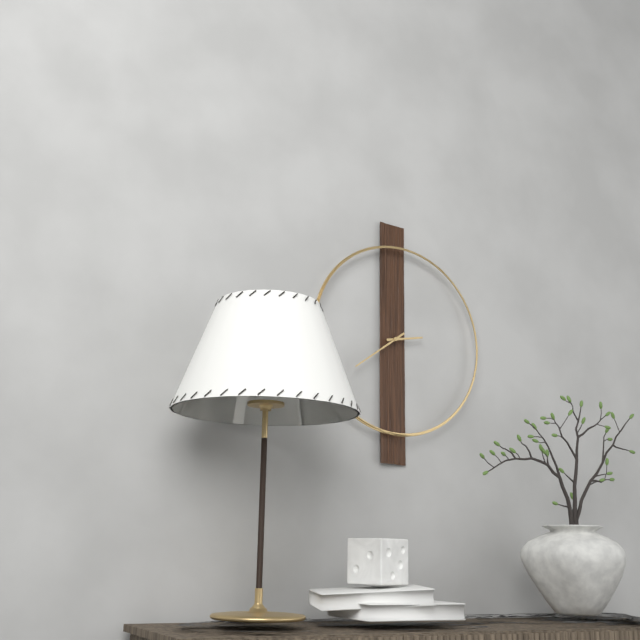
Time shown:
**2:39**
